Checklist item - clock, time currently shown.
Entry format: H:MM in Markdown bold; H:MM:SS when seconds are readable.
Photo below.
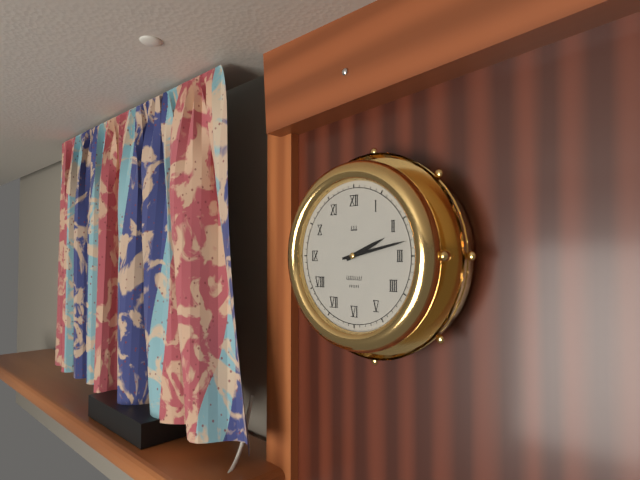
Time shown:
**2:13**
